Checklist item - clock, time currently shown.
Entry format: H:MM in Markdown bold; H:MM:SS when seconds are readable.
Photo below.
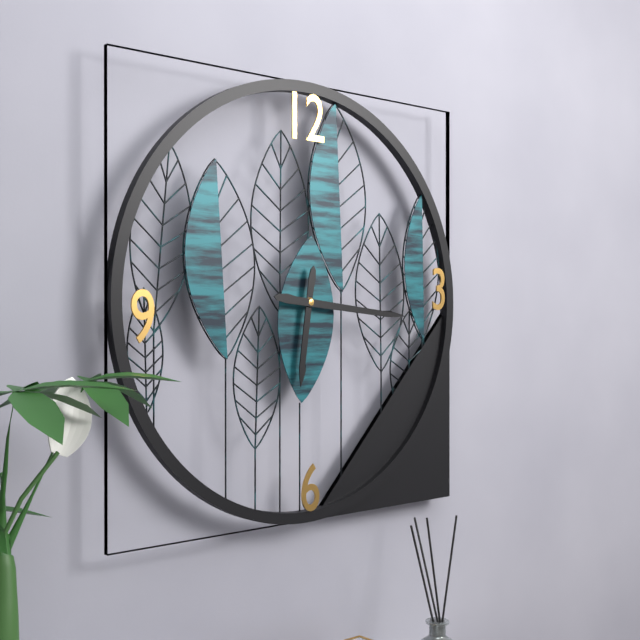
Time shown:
**6:16**
